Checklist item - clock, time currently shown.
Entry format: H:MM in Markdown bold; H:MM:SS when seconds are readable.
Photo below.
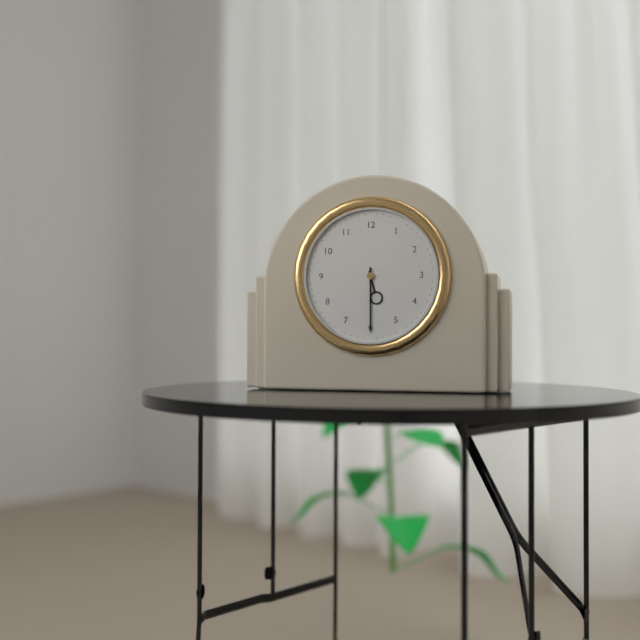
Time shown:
**5:30**
